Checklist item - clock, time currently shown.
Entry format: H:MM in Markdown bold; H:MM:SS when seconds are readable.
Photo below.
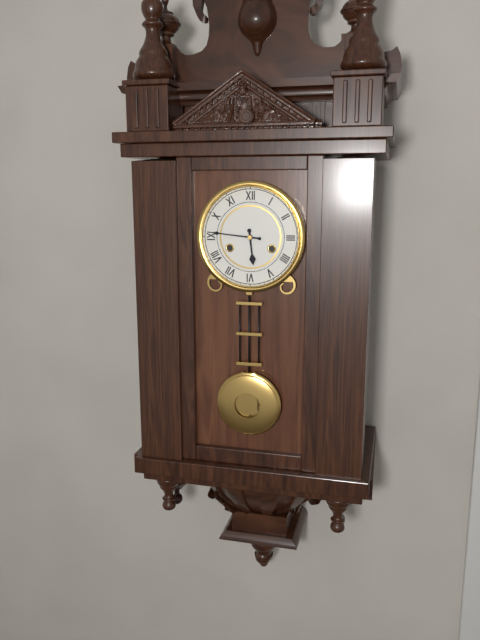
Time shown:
**5:46**
